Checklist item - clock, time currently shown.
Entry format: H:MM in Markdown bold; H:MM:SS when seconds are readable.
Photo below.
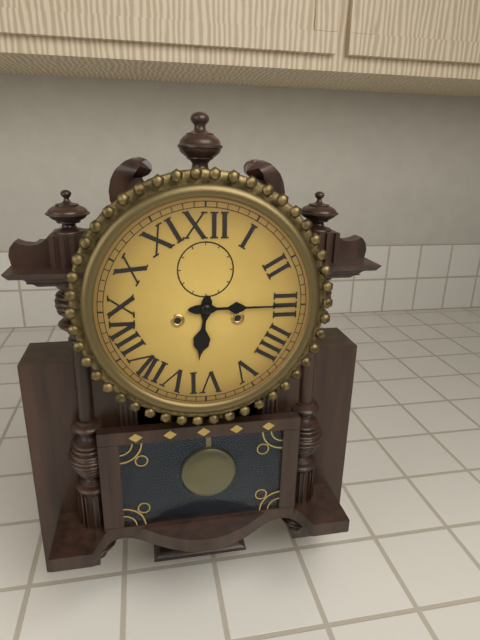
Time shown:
**6:15**
